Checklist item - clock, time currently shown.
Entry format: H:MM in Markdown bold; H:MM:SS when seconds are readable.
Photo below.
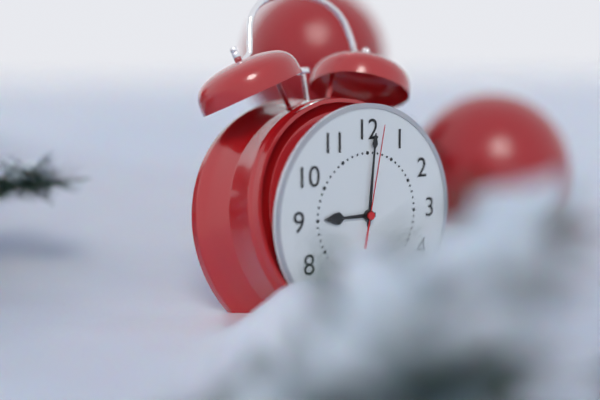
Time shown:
**9:01:02**
